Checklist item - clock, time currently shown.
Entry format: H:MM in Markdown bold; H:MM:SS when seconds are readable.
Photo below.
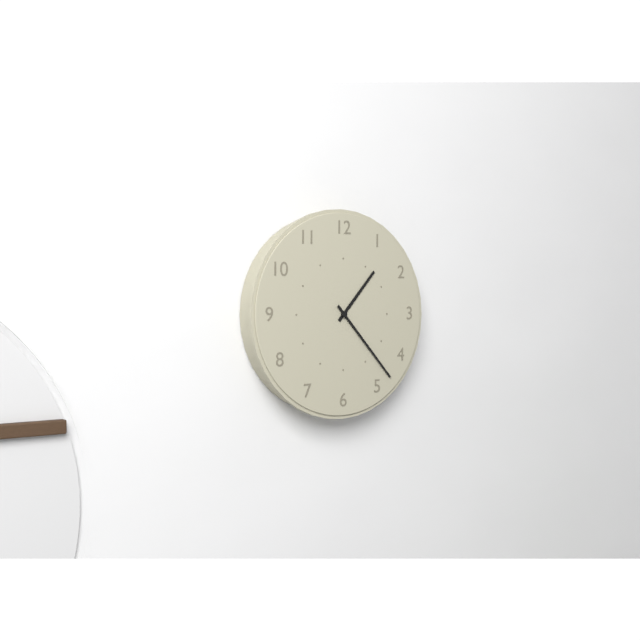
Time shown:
**1:23**
